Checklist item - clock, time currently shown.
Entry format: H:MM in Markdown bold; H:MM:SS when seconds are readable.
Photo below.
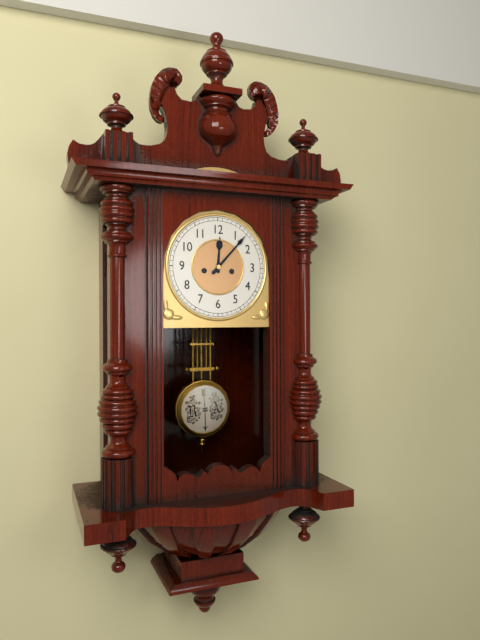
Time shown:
**12:07**
